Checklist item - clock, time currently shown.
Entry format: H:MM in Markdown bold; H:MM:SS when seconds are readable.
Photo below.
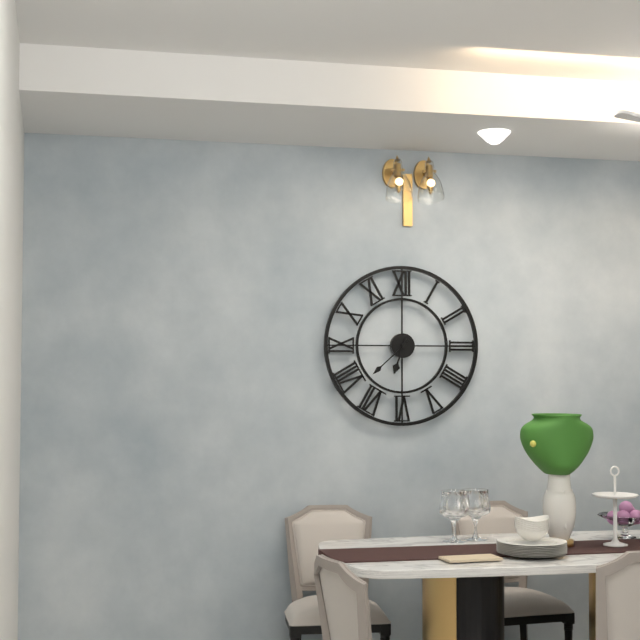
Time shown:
**6:38**
